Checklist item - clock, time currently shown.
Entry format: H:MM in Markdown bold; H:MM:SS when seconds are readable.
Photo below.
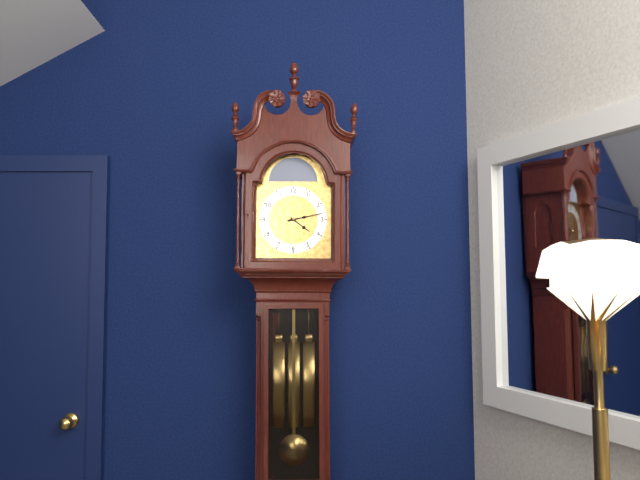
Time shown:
**4:13**
